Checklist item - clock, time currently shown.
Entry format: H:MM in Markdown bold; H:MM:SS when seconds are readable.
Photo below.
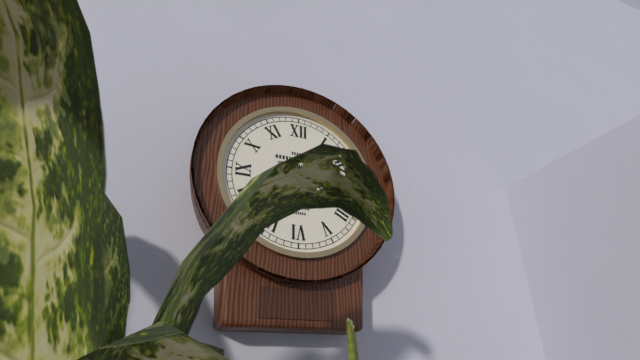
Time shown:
**3:14**
